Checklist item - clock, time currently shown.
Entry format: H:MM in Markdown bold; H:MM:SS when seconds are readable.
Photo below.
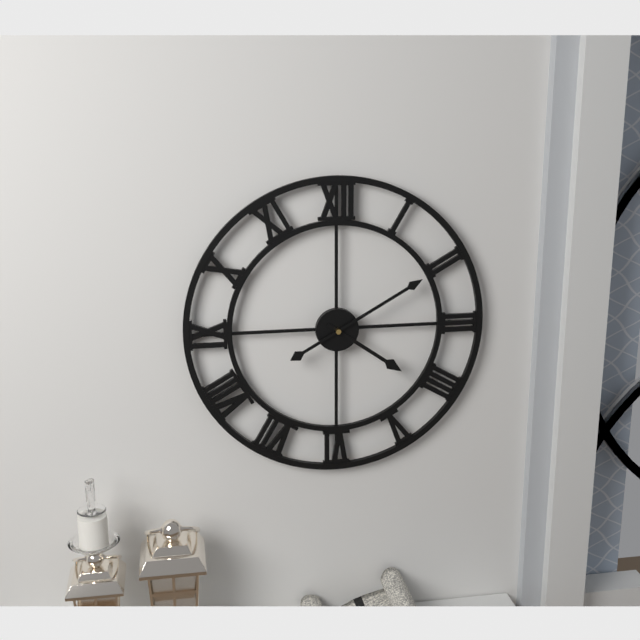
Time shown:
**4:10**
